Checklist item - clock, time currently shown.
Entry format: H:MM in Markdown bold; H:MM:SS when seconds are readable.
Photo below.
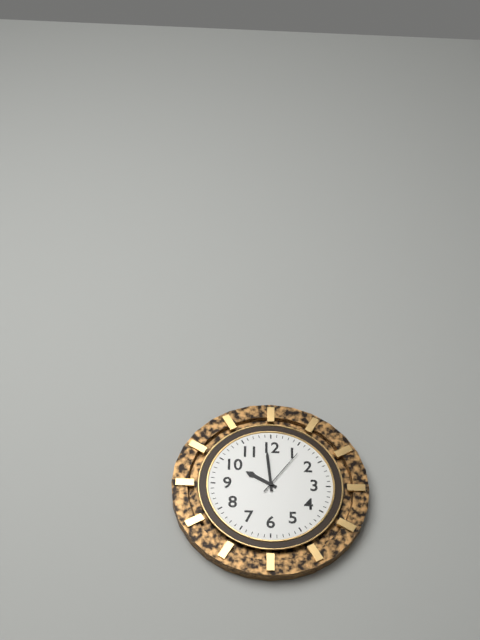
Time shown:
**9:59:06**
